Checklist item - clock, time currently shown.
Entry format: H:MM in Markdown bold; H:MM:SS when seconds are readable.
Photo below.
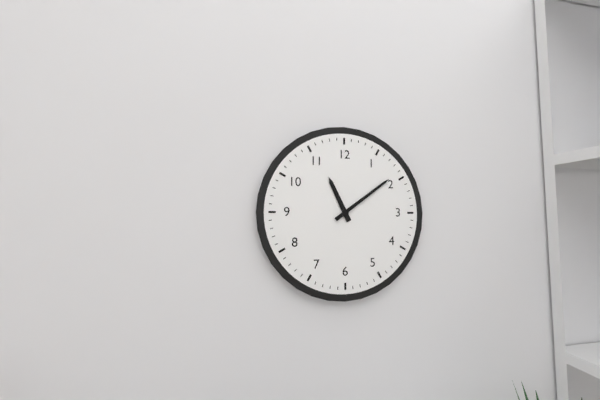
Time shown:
**11:09**
